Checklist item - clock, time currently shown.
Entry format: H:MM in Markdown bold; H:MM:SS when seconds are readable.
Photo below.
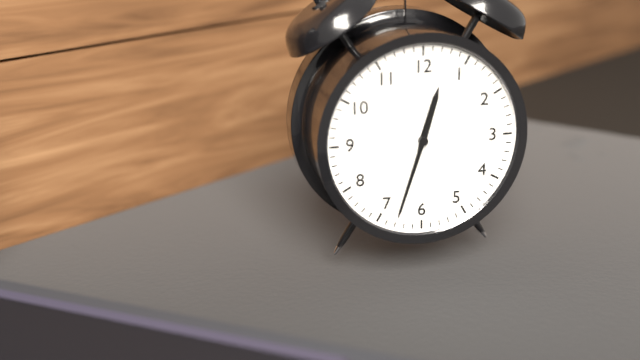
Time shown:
**12:33**
